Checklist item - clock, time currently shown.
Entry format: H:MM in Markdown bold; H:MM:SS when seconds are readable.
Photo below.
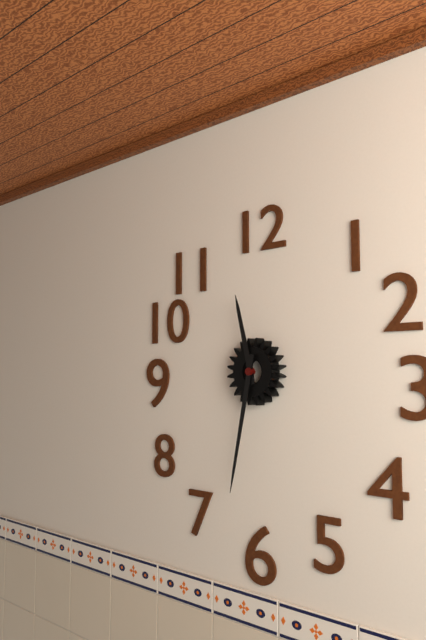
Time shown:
**11:32**
